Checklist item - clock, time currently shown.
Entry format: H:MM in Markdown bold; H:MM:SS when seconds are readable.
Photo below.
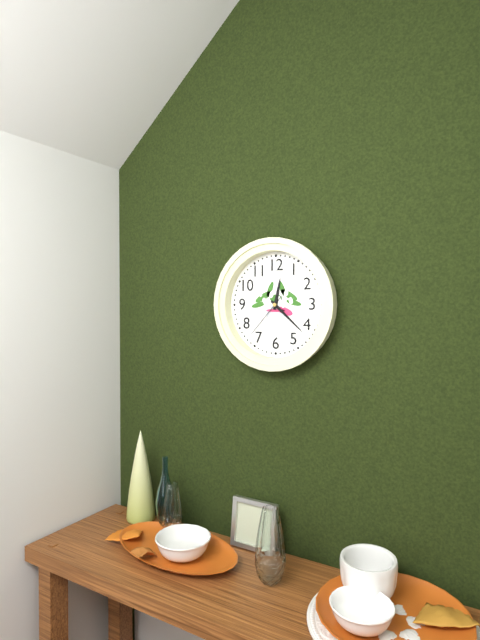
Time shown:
**12:22:37**
